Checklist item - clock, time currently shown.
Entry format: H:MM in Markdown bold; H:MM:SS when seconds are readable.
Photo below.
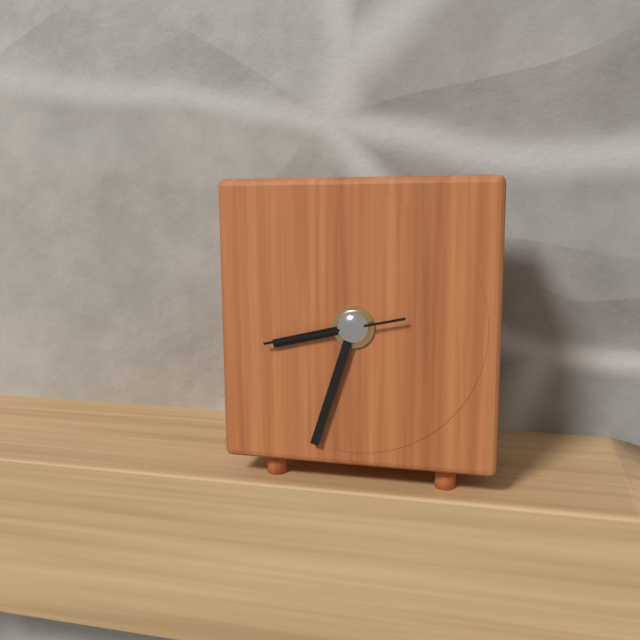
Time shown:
**8:33:43**
